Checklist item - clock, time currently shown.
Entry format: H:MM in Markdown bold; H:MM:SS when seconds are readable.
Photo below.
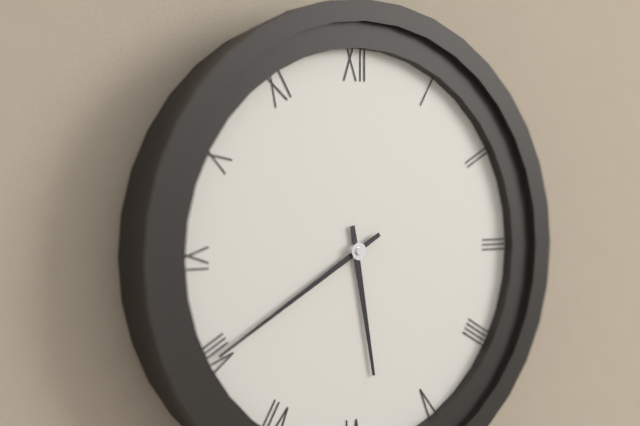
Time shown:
**5:40**
